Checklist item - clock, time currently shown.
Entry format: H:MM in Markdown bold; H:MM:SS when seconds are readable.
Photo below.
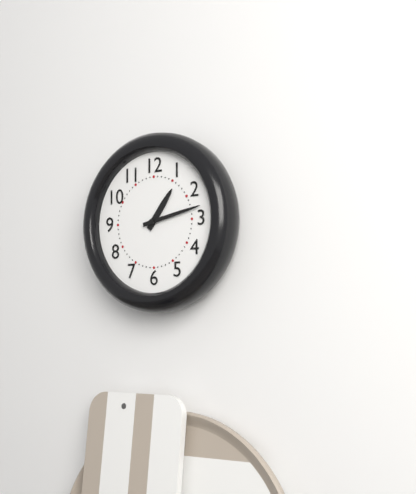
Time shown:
**1:13**
